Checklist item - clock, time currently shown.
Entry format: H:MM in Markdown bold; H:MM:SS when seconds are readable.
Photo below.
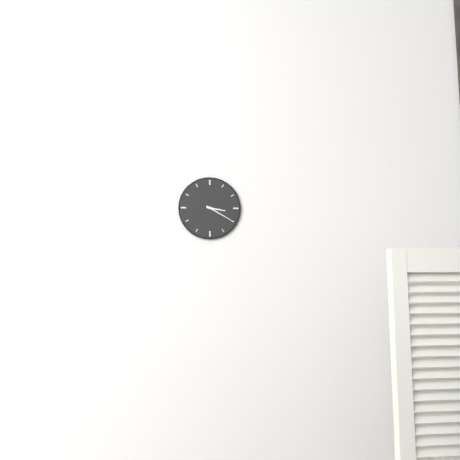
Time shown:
**3:20**
